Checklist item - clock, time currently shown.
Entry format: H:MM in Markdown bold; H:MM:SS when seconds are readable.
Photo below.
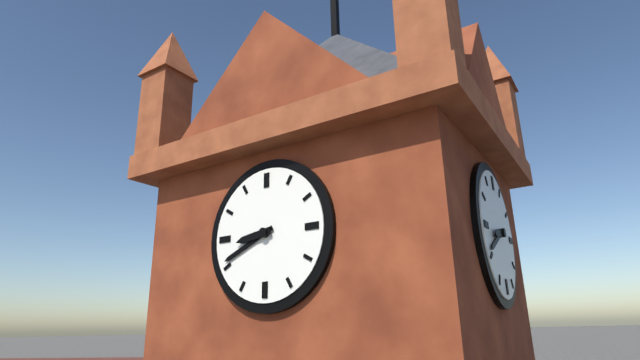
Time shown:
**8:41**
